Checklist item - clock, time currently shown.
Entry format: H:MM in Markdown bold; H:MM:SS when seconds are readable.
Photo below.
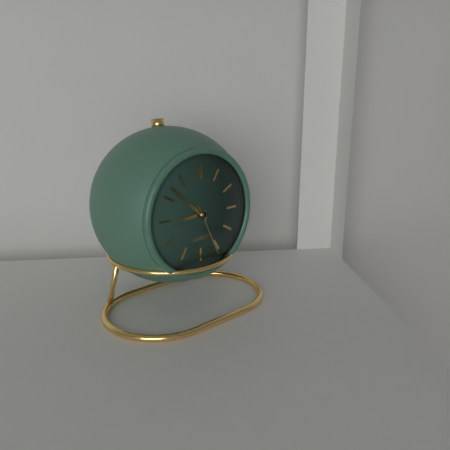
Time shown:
**8:52:26**
